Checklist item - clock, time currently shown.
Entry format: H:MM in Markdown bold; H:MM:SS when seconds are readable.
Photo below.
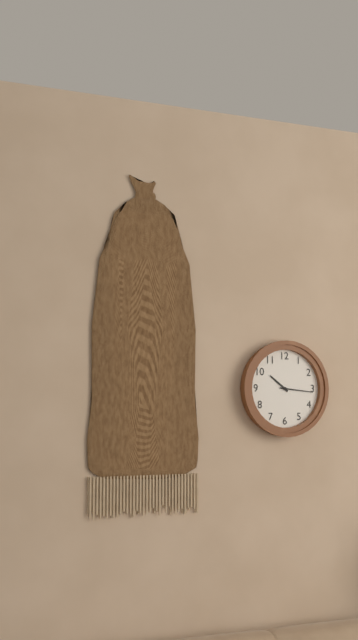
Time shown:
**10:16**
